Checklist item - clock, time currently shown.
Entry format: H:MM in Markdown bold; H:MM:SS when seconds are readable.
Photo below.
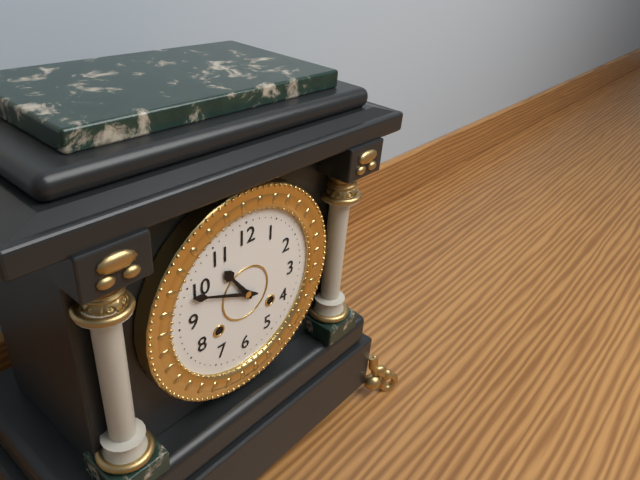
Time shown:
**10:49**
